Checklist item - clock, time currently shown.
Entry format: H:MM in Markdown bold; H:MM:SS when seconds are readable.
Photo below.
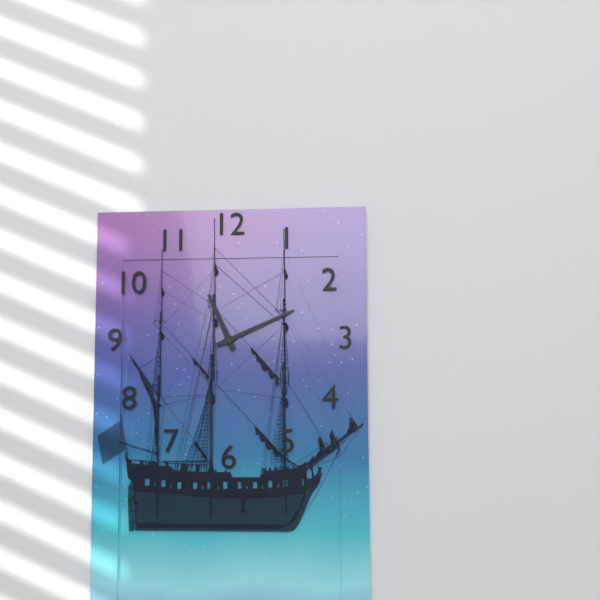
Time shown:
**11:11**
